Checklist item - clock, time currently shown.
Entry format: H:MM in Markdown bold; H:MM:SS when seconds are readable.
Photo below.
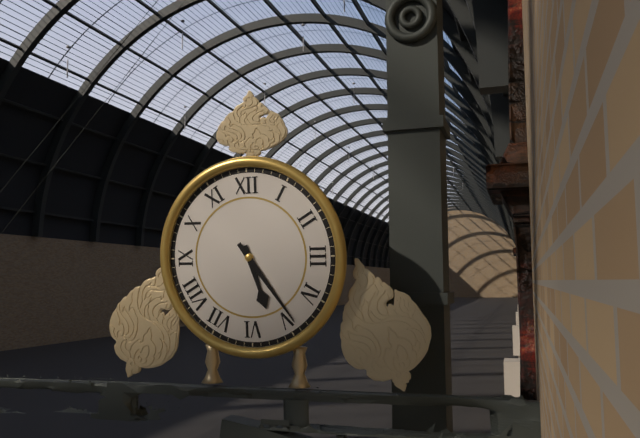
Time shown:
**5:24**
